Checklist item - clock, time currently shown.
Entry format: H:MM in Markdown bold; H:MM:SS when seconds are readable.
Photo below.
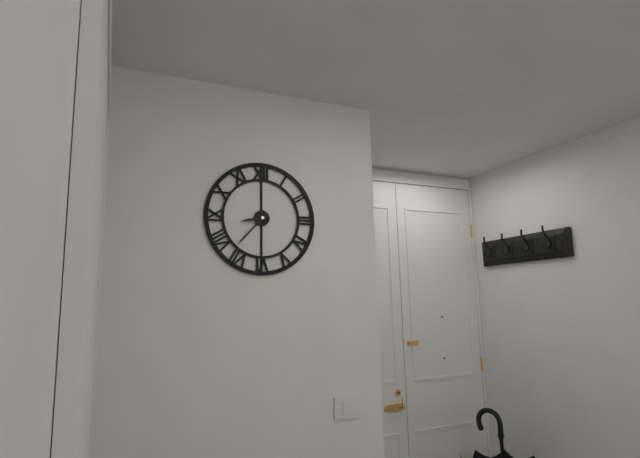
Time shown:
**8:37**
